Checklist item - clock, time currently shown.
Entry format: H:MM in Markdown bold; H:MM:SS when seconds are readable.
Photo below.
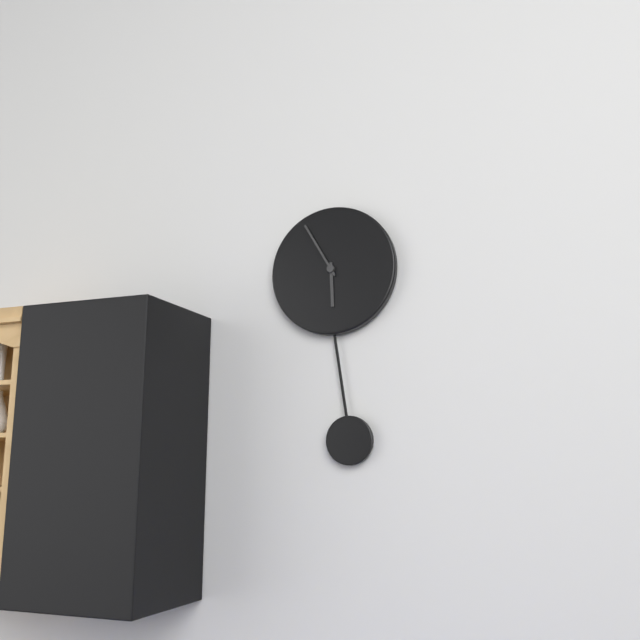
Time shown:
**5:55**
